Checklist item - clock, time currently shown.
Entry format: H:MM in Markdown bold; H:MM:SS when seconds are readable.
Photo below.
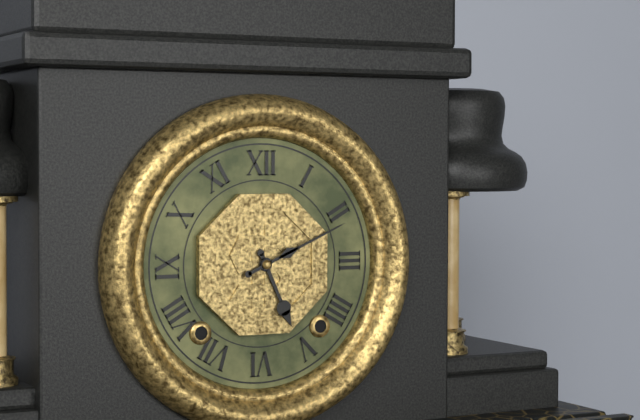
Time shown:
**5:11**
